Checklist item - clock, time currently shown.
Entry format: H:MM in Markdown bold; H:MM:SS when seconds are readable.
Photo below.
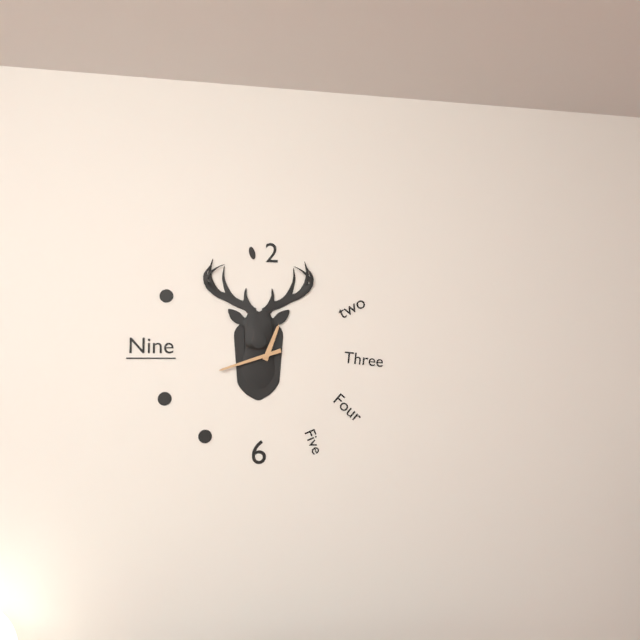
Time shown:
**12:42**
